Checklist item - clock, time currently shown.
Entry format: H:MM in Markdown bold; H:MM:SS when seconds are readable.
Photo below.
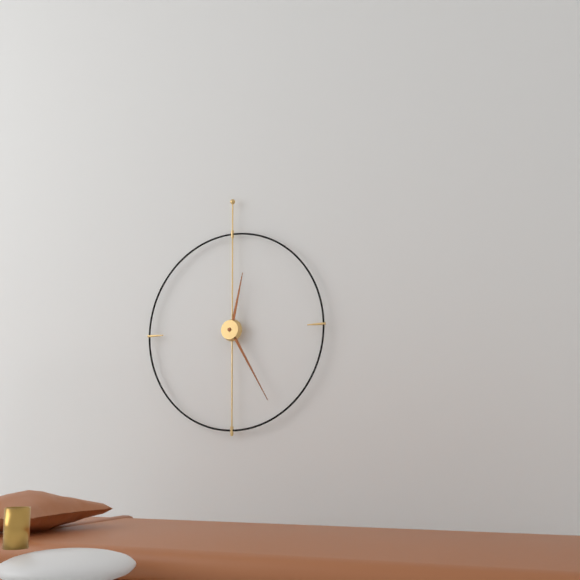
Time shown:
**12:25**
